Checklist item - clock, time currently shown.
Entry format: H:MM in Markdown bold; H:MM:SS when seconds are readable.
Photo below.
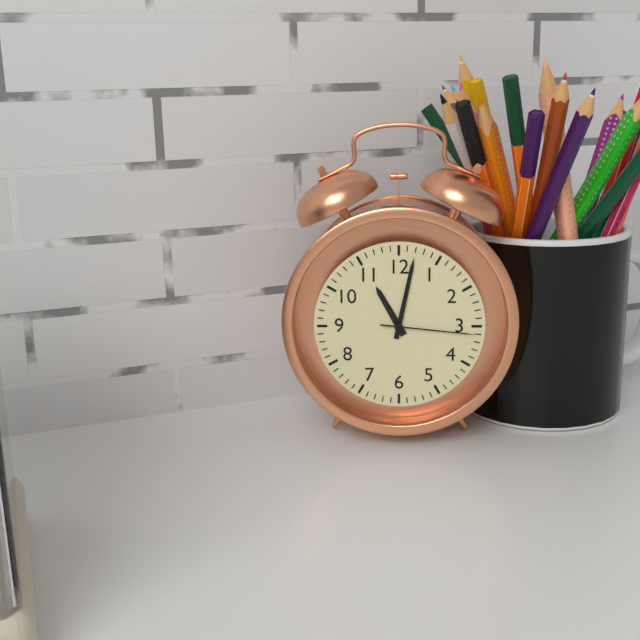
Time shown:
**11:02:16**
